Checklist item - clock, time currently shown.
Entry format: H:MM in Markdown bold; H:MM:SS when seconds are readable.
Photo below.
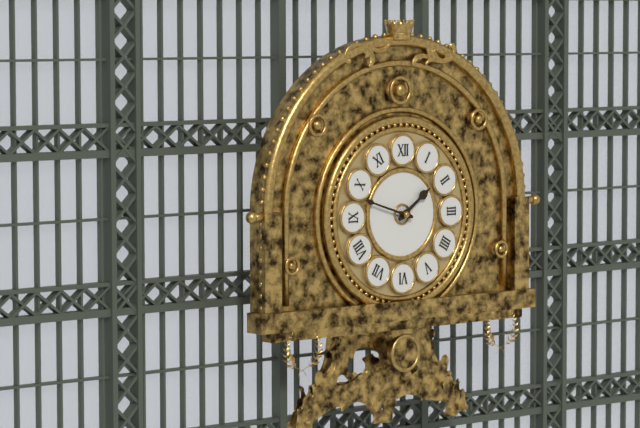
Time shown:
**1:48**
